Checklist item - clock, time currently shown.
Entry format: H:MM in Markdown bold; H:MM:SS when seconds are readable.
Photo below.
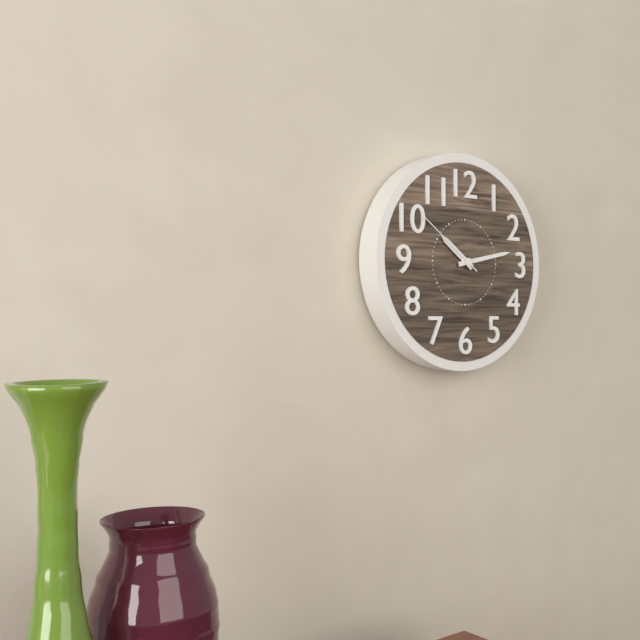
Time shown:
**10:13:51**
